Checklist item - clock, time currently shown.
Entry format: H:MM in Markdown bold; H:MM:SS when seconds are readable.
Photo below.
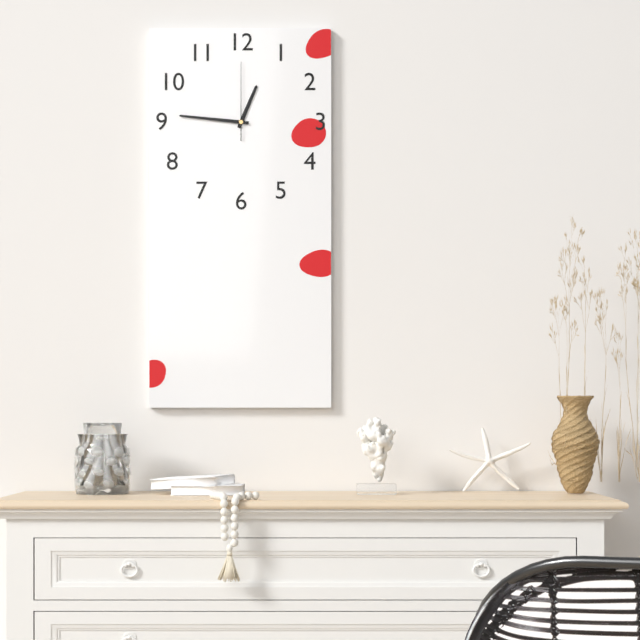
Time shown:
**12:46:00**
